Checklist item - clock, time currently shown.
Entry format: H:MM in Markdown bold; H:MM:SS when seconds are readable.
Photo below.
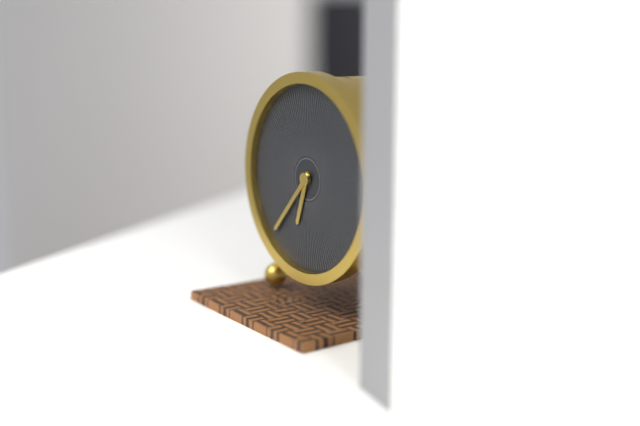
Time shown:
**6:37**
